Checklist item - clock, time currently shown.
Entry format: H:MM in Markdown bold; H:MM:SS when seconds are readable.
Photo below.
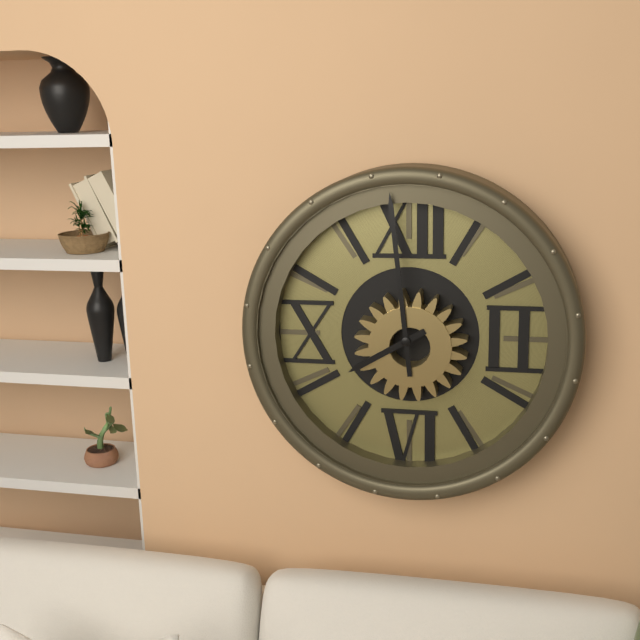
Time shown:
**7:59**
